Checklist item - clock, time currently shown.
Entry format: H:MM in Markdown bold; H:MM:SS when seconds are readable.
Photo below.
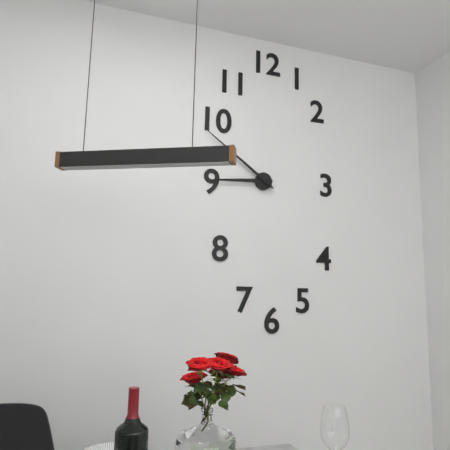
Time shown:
**8:51**
